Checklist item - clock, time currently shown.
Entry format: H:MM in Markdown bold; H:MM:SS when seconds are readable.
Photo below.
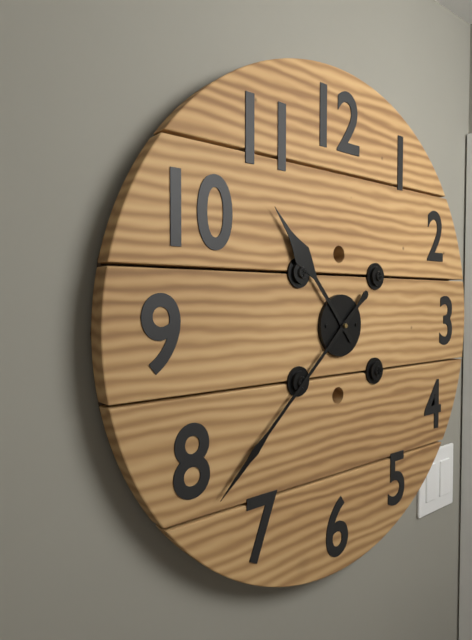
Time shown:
**10:38**
